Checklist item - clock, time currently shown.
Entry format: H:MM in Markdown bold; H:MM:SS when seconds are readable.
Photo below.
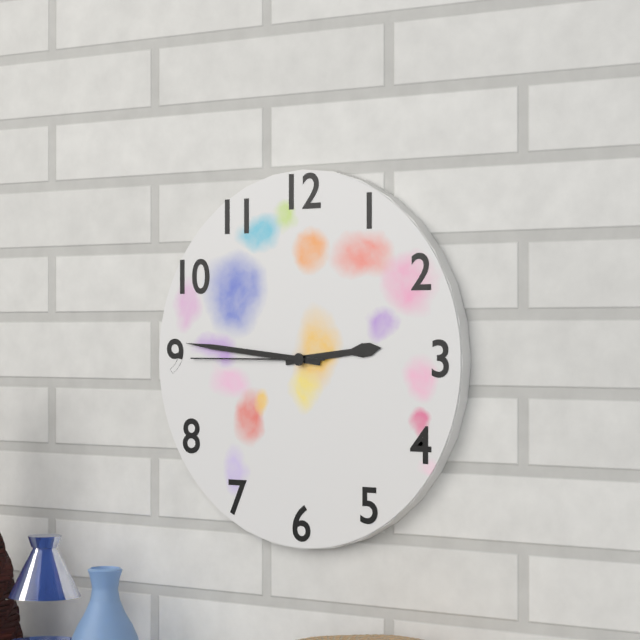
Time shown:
**2:46:45**
